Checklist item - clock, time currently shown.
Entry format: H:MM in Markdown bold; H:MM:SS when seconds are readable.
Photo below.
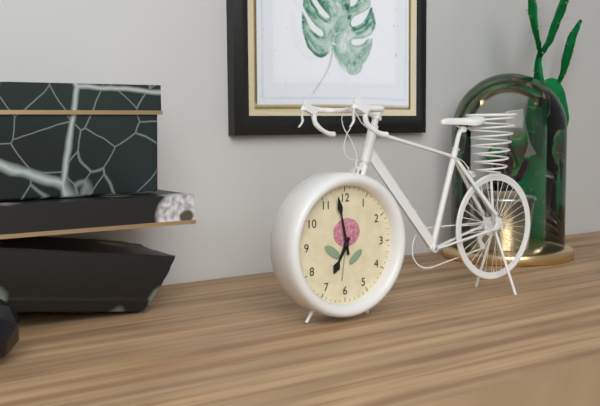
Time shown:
**6:58**
